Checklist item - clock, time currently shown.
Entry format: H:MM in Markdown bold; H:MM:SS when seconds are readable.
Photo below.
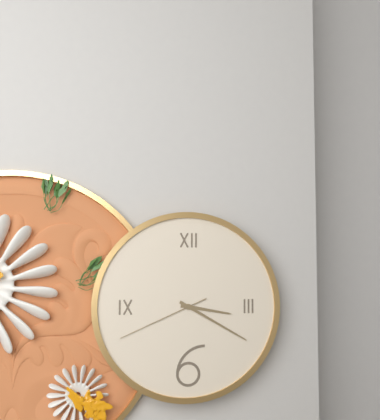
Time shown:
**3:20:41**
